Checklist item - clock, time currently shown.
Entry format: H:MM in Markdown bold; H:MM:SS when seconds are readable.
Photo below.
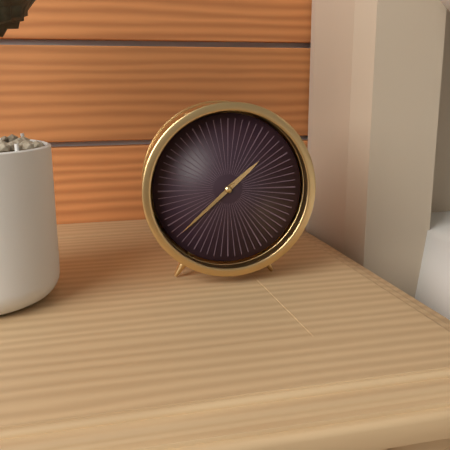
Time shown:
**1:38**
